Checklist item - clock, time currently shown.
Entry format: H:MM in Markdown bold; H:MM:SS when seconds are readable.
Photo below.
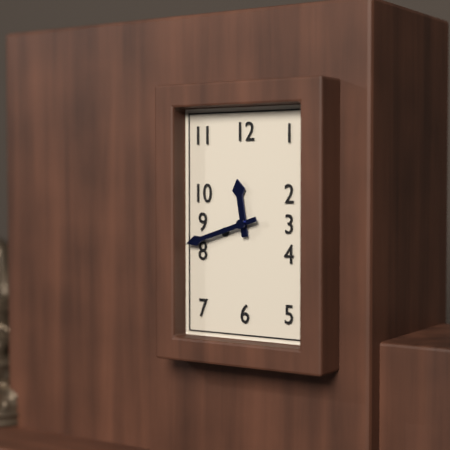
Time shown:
**11:42**
